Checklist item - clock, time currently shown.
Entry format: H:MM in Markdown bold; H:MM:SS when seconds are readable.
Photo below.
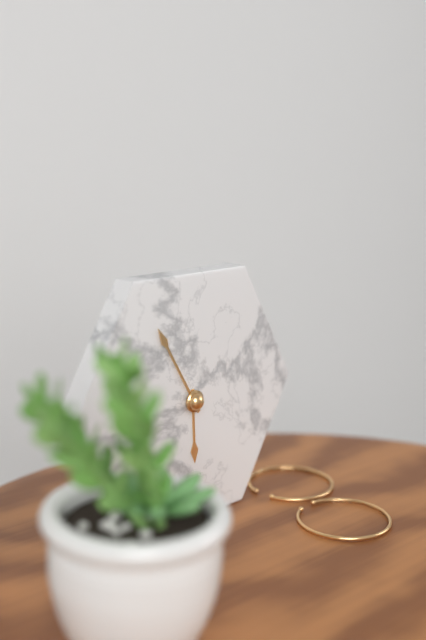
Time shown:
**5:55**
